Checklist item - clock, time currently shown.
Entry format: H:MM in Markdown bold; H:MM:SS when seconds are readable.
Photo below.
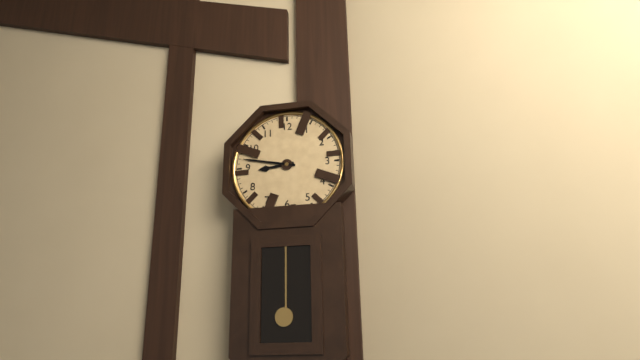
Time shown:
**8:47**
